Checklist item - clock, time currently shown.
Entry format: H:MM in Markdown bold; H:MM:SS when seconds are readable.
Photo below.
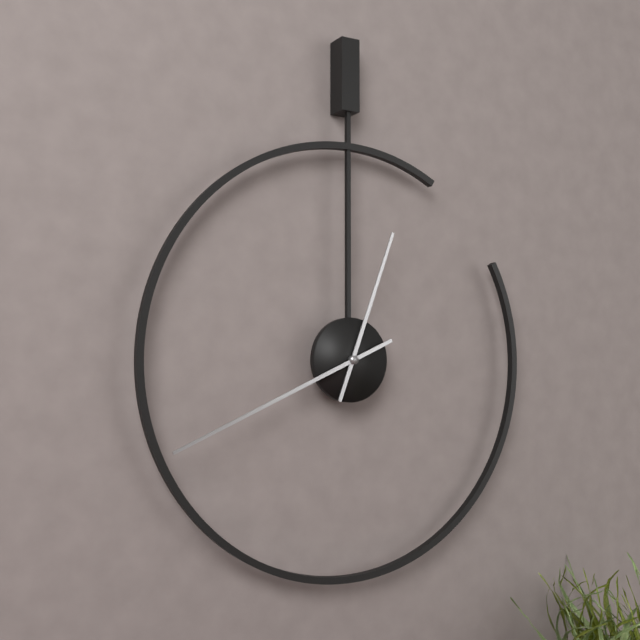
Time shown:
**12:41**
